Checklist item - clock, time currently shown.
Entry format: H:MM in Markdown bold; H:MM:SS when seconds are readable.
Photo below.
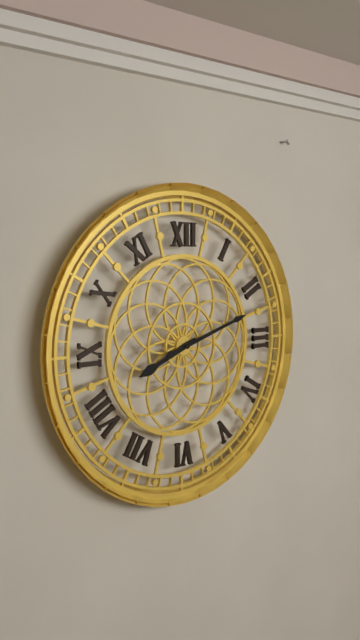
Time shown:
**8:12**
